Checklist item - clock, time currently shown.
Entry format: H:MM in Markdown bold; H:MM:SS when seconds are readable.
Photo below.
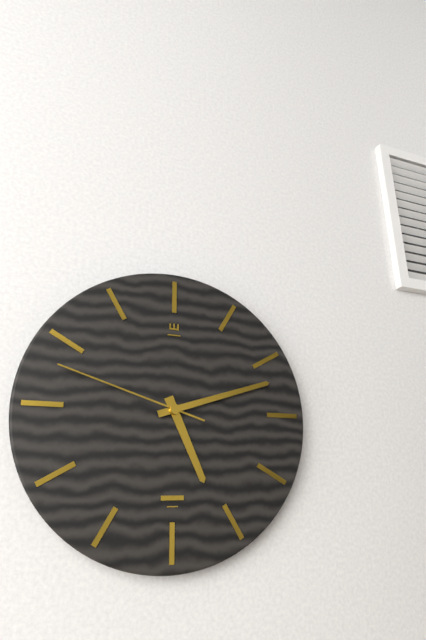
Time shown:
**5:12:48**
